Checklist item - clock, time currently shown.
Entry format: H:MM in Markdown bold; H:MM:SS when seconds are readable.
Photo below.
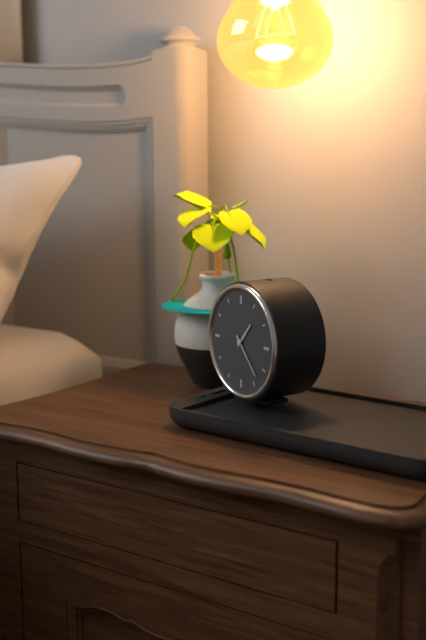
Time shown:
**1:23**
